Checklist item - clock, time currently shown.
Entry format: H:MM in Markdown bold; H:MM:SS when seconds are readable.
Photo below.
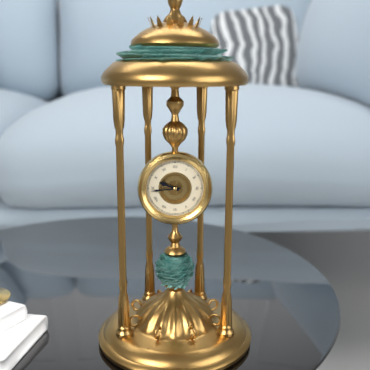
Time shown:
**9:44**
